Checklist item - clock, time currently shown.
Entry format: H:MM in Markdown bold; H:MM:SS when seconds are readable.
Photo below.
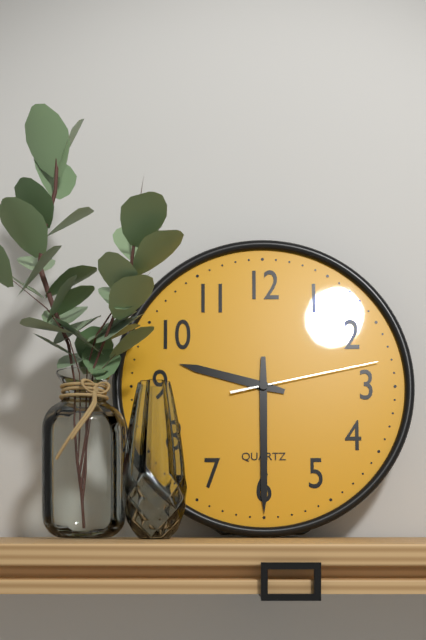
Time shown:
**9:30:13**
